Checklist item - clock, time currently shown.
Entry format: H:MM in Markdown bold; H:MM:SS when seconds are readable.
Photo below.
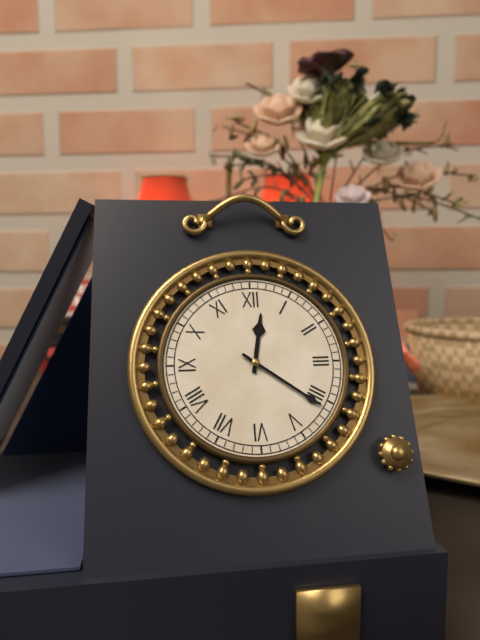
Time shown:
**12:21**
